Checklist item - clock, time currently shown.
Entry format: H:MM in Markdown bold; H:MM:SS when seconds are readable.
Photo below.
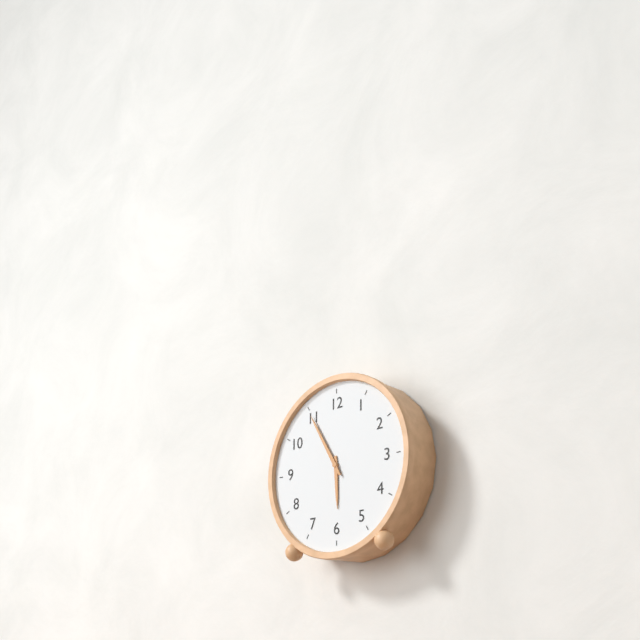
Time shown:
**5:55**
